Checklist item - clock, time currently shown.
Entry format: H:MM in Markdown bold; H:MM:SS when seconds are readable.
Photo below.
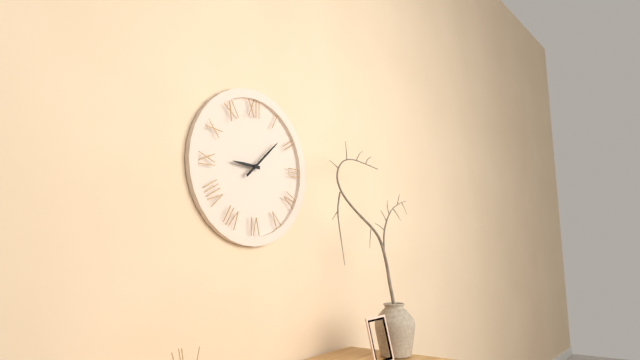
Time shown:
**9:08**
